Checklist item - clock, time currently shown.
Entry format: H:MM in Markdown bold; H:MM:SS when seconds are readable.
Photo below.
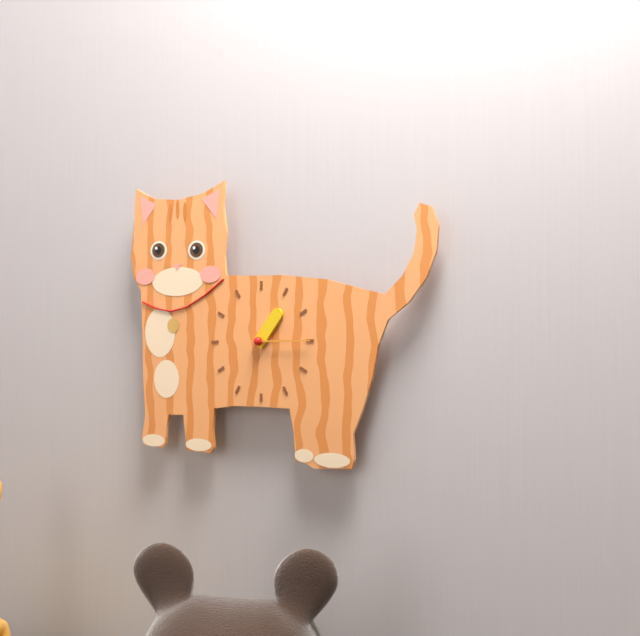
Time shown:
**1:15**
